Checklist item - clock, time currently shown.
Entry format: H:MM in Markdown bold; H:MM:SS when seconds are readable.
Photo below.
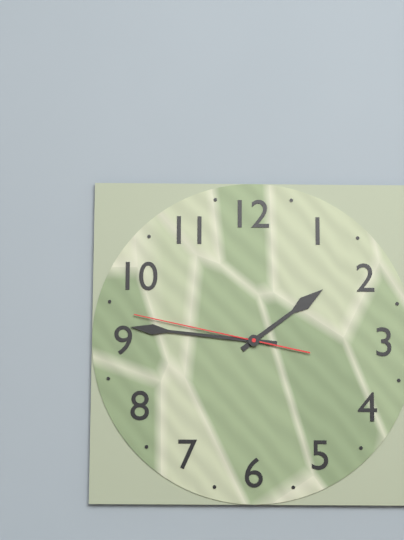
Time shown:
**1:46:47**
